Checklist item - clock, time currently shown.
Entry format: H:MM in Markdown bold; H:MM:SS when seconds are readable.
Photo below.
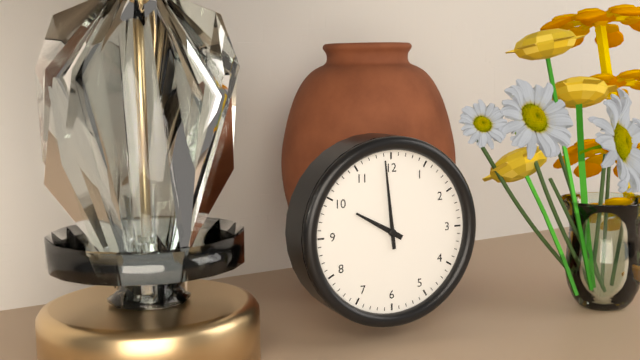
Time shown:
**9:59**
